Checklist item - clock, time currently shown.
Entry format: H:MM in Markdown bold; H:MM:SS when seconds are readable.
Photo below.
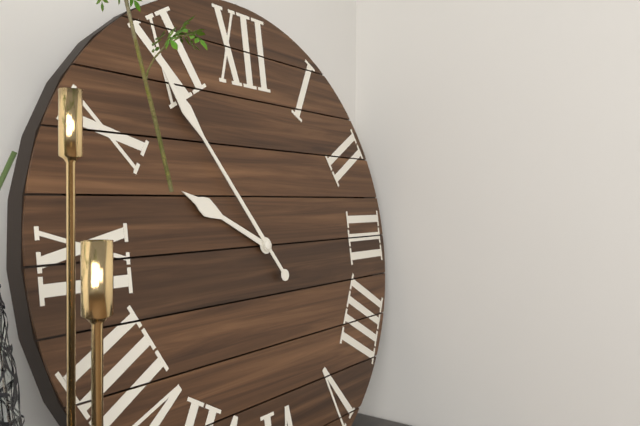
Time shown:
**9:54**
